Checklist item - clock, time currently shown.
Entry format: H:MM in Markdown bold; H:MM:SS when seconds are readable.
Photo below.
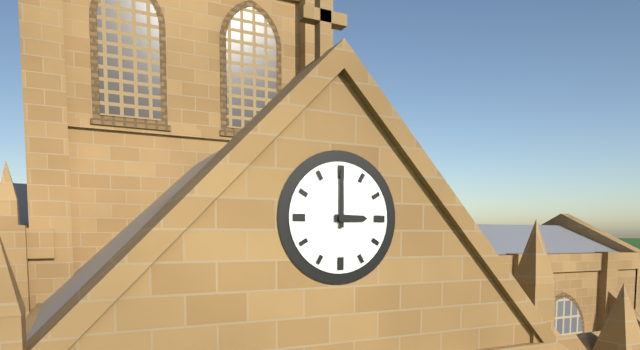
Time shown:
**3:00**
